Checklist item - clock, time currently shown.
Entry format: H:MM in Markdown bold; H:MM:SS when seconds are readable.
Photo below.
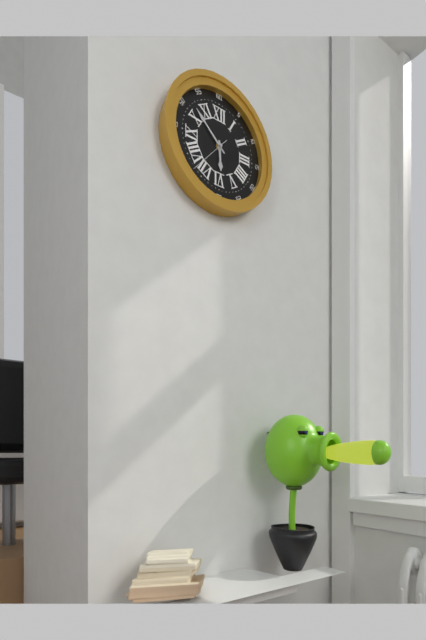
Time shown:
**5:52**
